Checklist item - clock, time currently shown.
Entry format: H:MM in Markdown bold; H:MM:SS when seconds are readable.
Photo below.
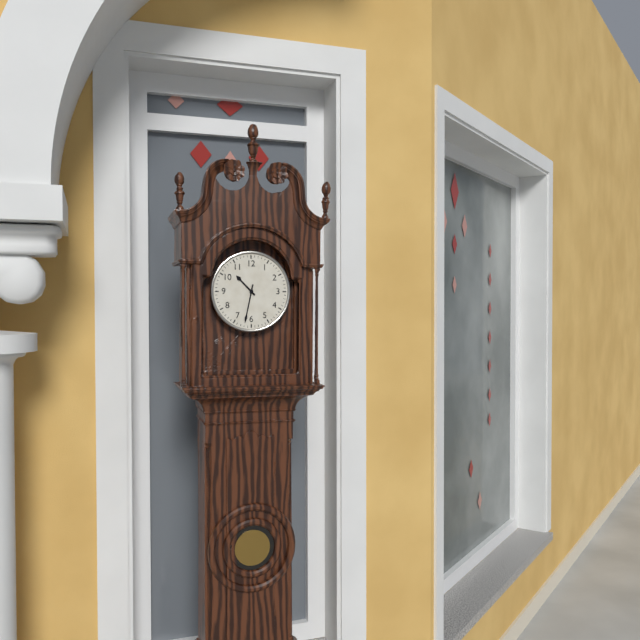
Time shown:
**10:32**
